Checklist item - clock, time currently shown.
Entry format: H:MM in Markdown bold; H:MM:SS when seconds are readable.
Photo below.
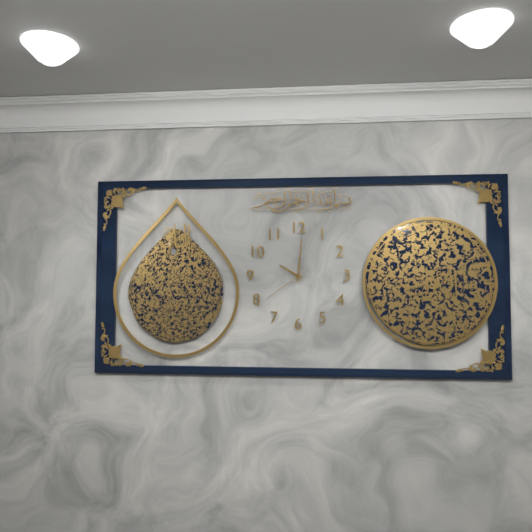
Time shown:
**10:01:39**
